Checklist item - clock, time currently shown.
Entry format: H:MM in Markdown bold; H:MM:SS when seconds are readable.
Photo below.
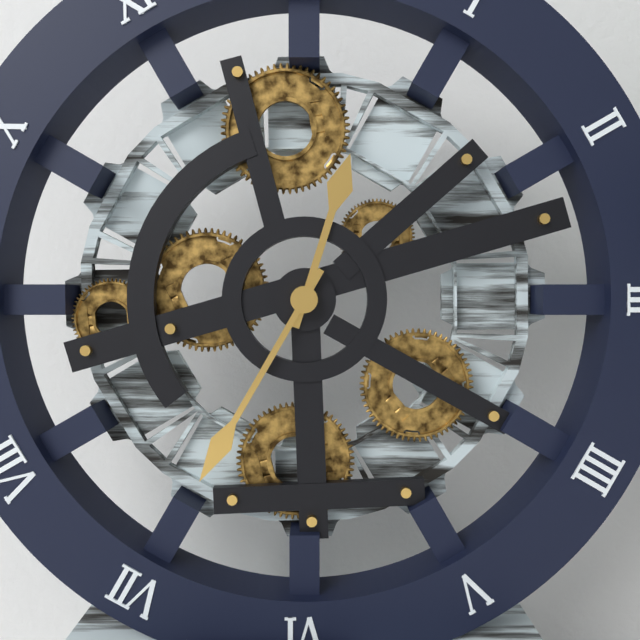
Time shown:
**12:35**
